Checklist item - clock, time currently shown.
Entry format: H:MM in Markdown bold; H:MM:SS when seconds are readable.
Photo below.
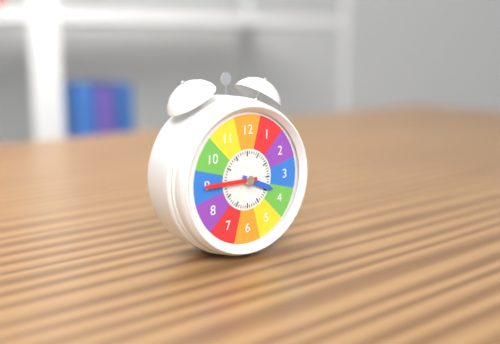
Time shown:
**3:45**
